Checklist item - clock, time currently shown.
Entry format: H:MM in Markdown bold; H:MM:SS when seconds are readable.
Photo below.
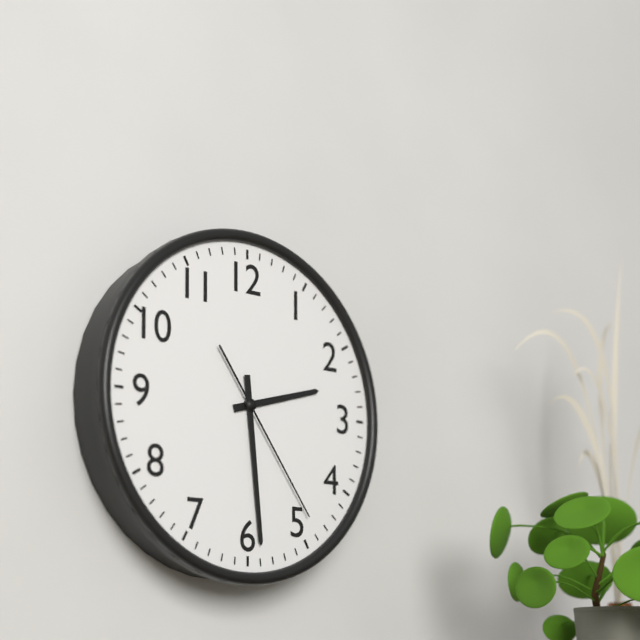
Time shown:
**2:29:24**
